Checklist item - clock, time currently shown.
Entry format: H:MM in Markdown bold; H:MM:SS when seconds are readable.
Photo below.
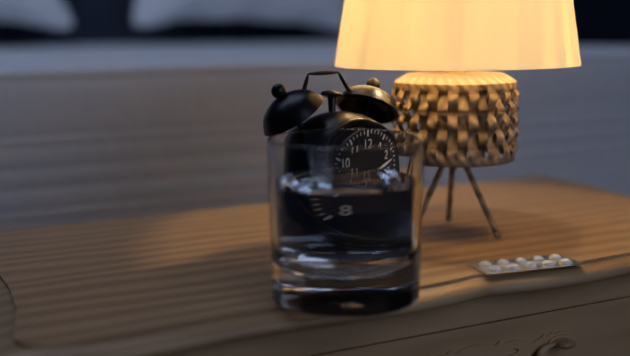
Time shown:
**5:12**
